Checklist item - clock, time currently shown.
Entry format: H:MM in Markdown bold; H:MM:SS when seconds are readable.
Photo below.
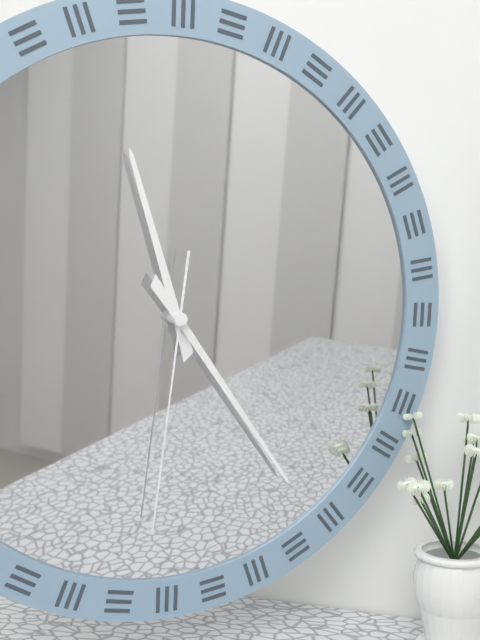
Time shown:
**11:24:31**
